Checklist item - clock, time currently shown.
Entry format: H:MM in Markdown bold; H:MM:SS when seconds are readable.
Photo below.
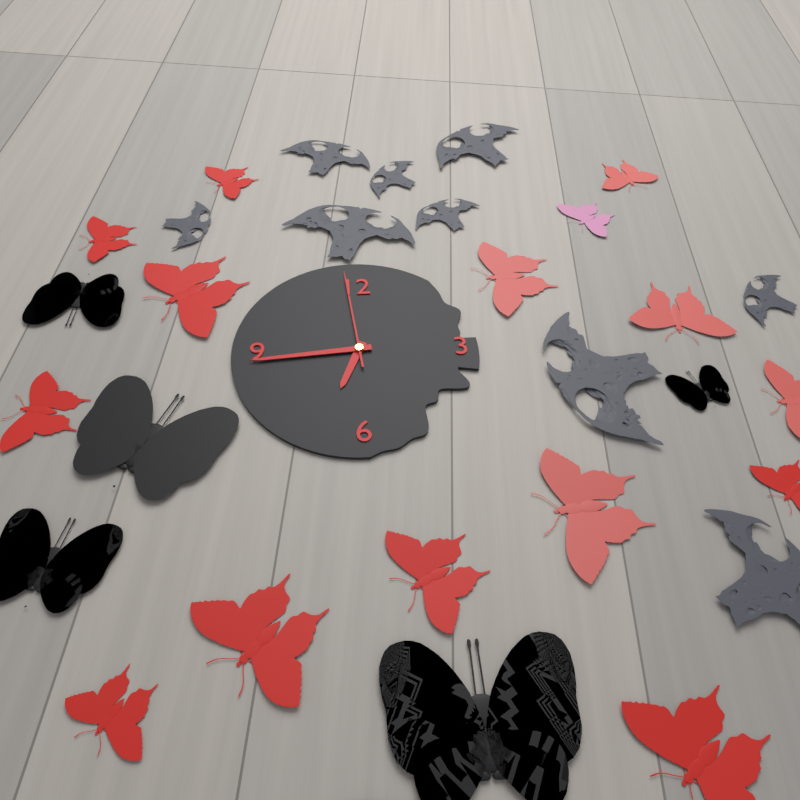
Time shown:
**6:44:59**
